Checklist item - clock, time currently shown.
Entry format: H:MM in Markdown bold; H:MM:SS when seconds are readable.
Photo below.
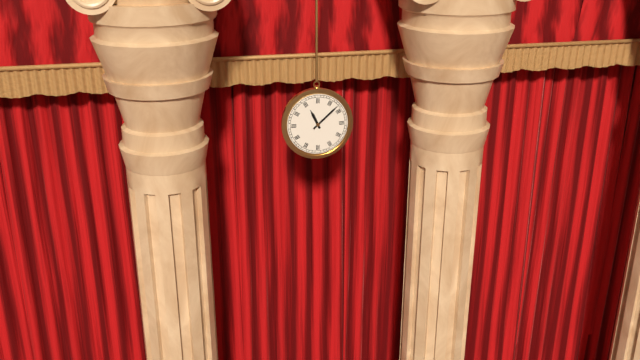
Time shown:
**11:08**
